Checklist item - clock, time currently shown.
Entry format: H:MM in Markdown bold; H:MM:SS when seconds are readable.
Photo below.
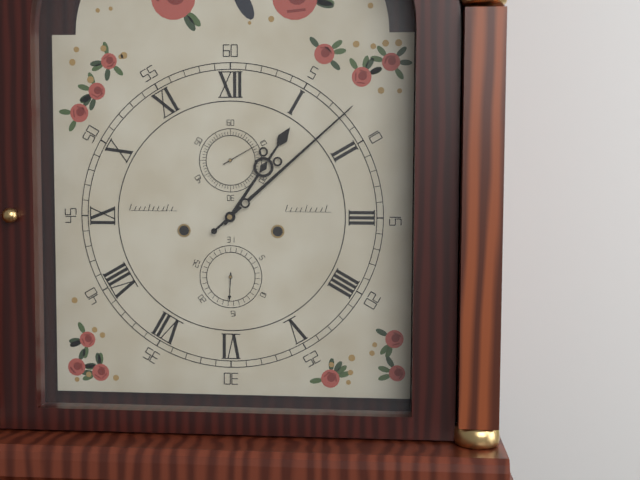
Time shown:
**1:08**
